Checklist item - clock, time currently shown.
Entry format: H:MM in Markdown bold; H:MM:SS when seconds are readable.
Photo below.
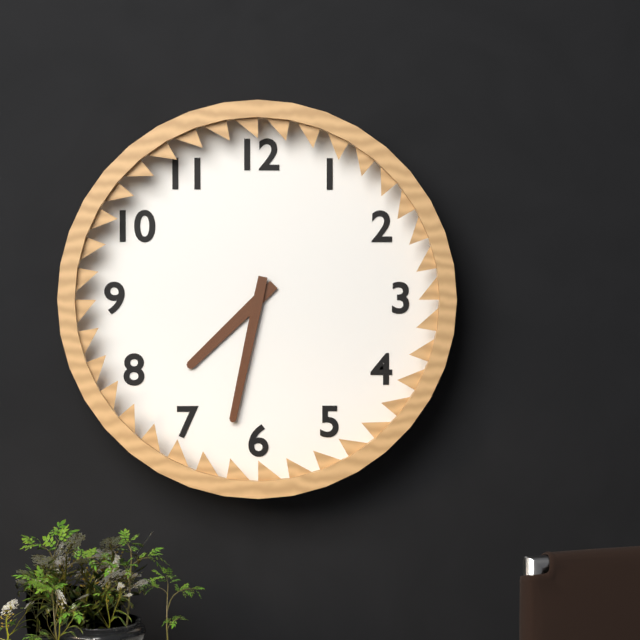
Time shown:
**7:32**
